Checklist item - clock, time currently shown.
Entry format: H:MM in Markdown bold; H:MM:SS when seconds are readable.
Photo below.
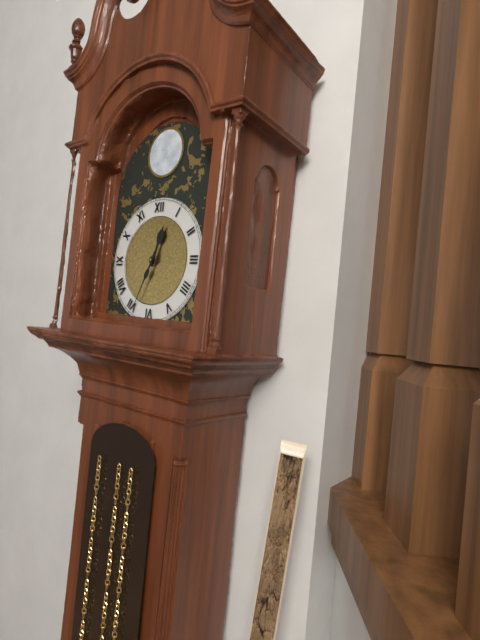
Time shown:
**12:34**
